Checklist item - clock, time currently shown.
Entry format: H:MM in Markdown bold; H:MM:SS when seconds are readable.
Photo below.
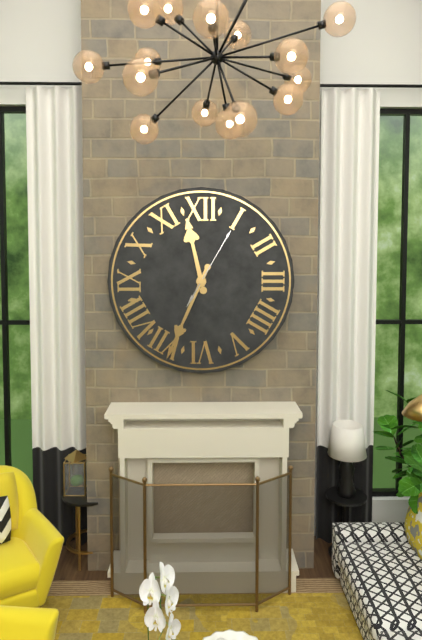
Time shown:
**11:34:05**
